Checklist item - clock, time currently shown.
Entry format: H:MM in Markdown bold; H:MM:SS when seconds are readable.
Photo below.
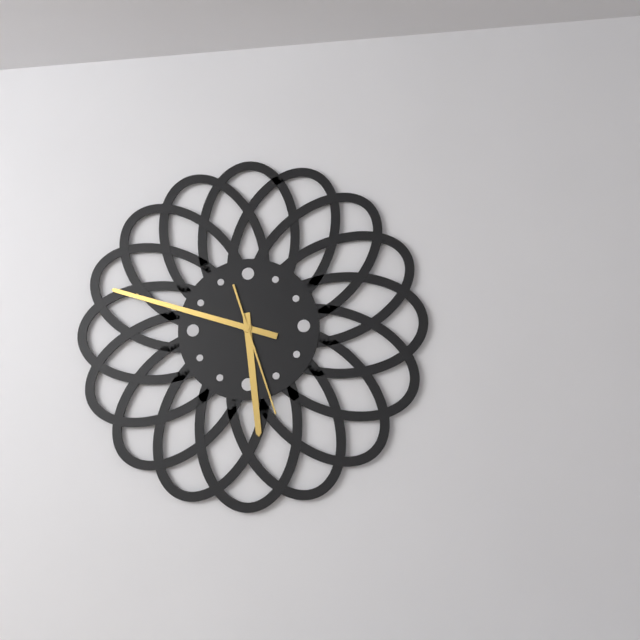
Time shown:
**5:48:27**
